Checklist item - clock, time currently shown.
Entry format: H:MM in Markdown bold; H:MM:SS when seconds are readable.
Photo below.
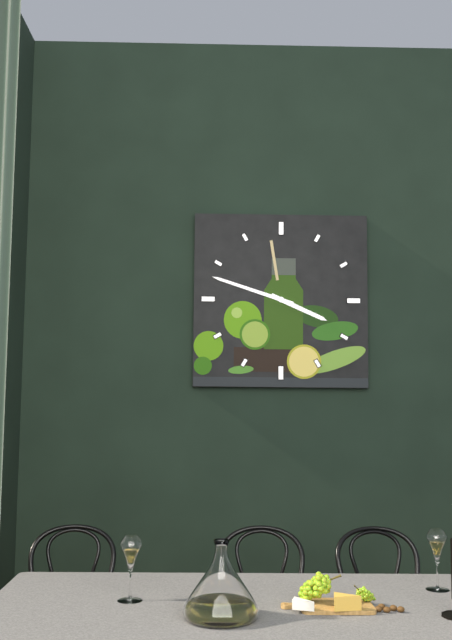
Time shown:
**3:48**
